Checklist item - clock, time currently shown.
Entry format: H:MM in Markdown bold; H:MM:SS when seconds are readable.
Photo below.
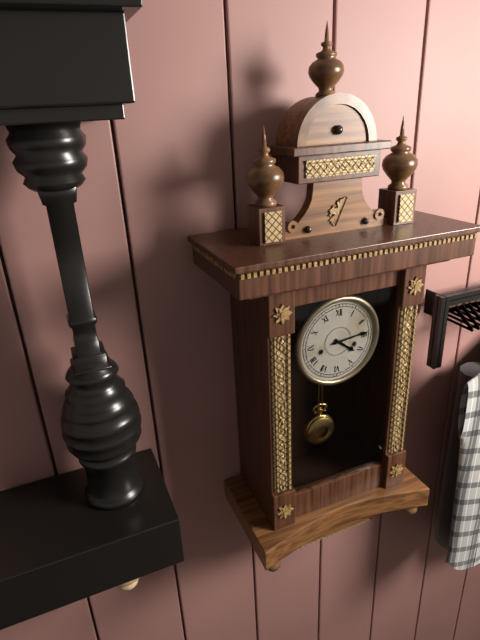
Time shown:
**4:14**
